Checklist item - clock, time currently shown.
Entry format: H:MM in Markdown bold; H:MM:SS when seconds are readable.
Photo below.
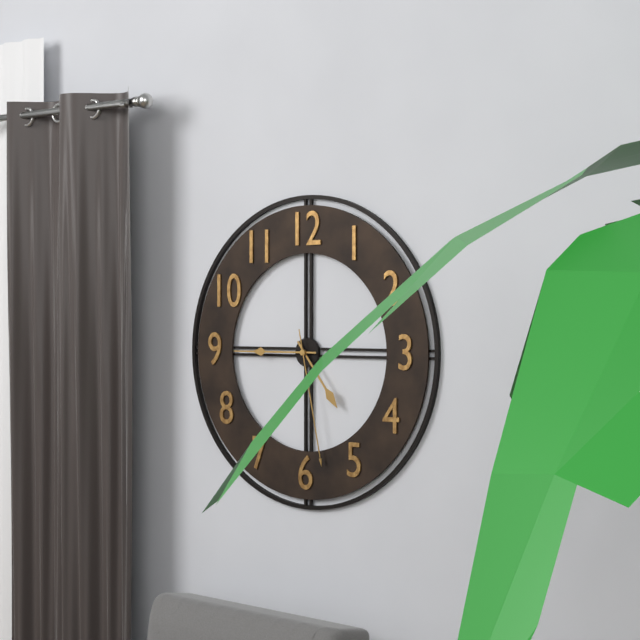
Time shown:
**4:45:28**
